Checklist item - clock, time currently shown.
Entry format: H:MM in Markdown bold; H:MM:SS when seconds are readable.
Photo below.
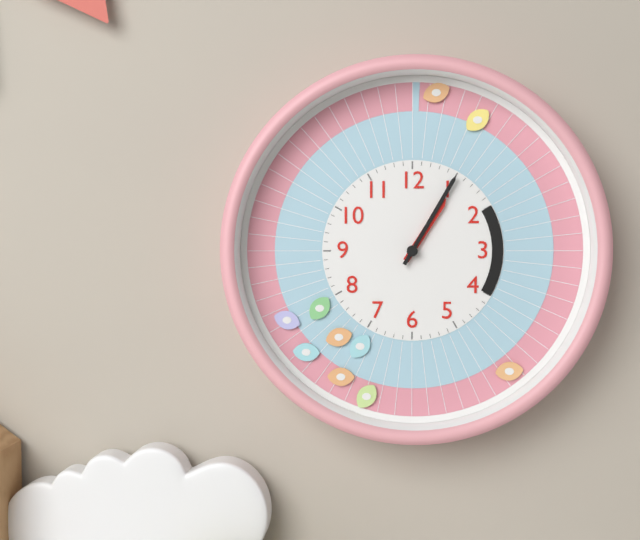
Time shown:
**1:05**
